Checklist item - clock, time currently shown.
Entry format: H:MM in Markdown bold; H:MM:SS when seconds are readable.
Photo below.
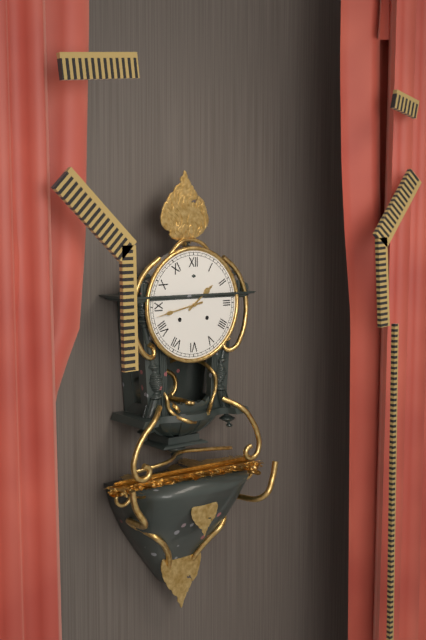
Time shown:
**1:43**
